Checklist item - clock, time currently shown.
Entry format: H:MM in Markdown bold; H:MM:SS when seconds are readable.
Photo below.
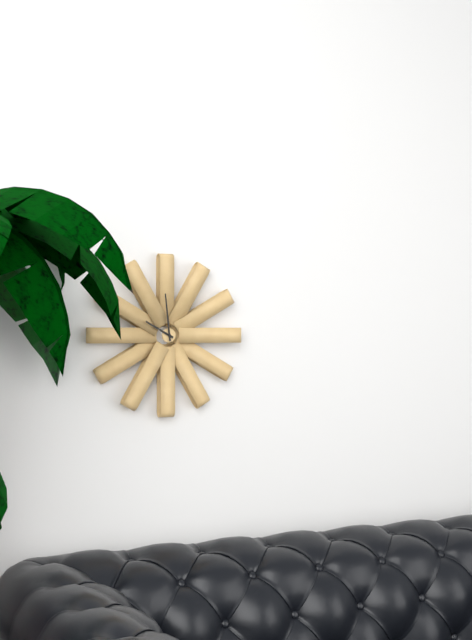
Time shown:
**9:59**
